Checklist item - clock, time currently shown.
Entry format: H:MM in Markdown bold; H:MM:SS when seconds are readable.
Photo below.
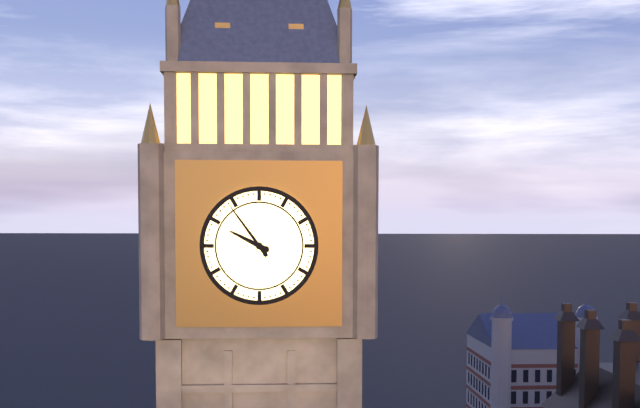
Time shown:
**9:54**
